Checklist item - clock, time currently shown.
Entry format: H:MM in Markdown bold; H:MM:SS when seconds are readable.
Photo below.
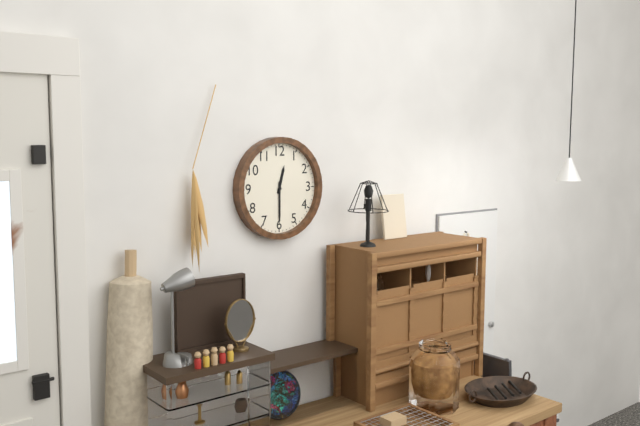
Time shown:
**12:30**
